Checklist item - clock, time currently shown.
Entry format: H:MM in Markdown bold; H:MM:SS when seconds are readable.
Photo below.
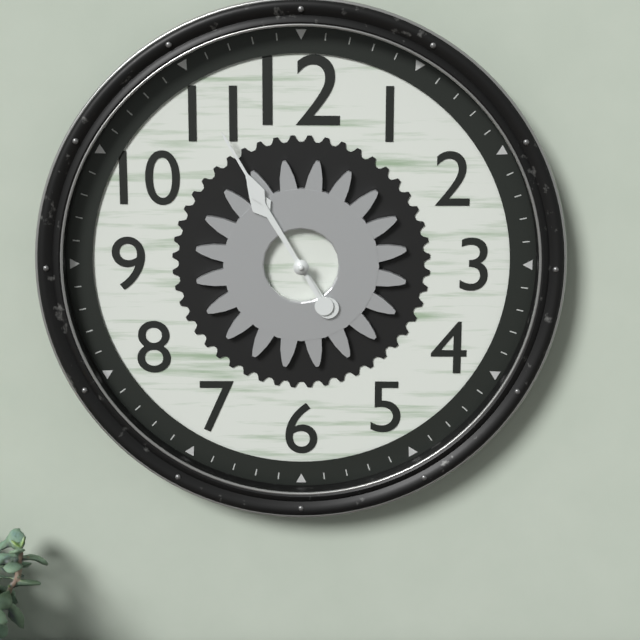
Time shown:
**10:55**
